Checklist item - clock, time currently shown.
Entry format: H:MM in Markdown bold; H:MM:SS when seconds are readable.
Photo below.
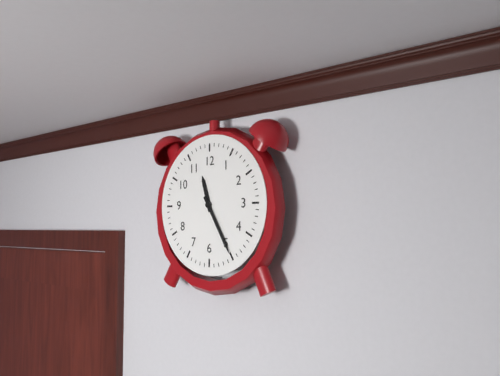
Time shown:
**11:25**
